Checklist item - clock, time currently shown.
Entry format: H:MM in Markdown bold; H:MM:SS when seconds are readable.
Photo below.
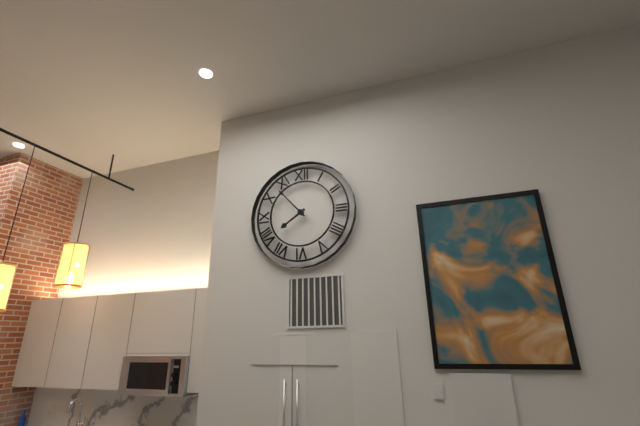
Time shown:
**7:53**
